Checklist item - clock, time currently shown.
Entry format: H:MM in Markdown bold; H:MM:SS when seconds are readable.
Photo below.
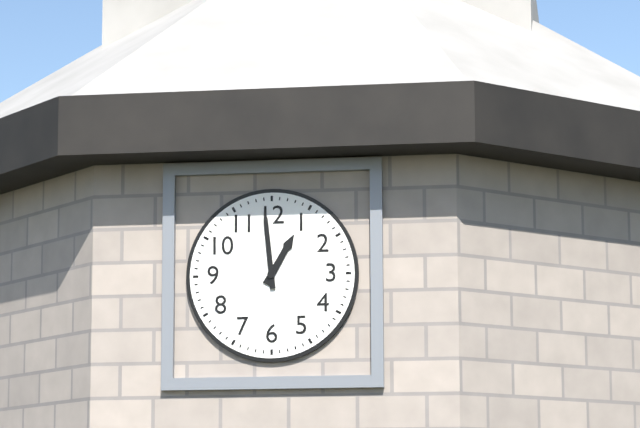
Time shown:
**12:59**
